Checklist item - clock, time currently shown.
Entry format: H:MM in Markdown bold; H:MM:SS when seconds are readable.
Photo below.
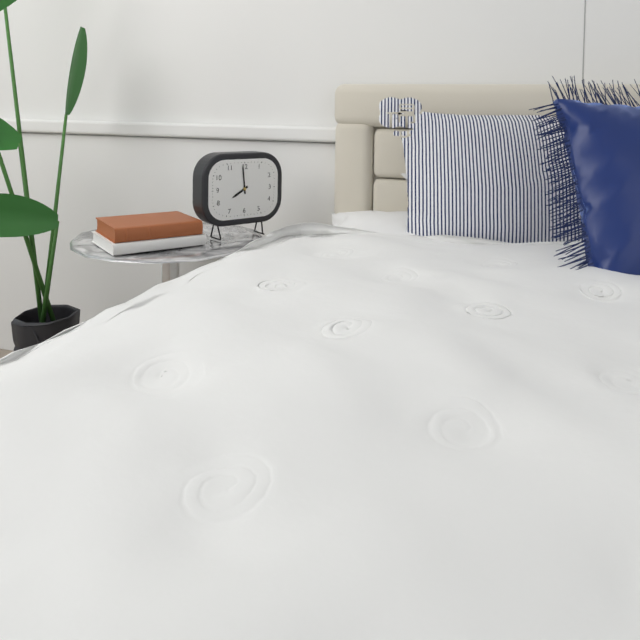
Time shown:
**7:59**
